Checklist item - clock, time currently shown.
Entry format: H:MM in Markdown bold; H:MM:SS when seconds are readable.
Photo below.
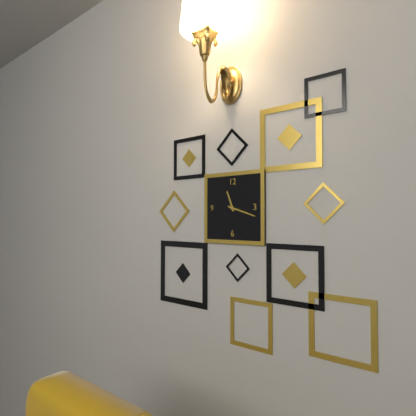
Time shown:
**11:18**
